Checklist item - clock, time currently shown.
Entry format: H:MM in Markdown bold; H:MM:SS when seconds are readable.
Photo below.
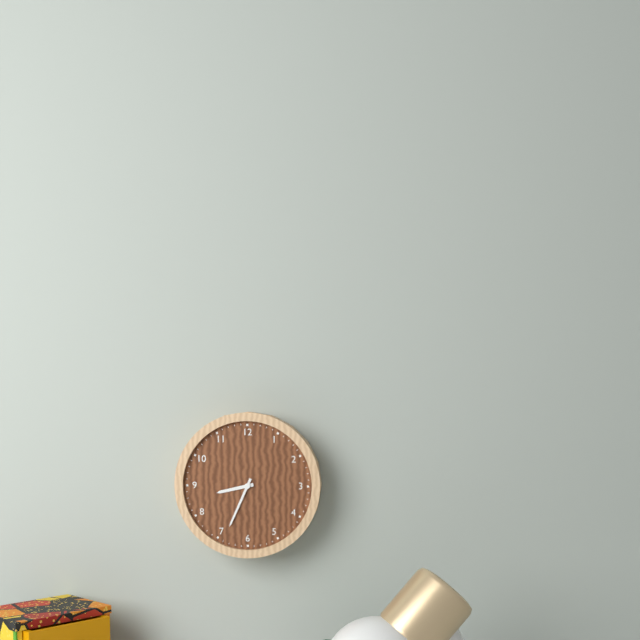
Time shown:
**8:34**
